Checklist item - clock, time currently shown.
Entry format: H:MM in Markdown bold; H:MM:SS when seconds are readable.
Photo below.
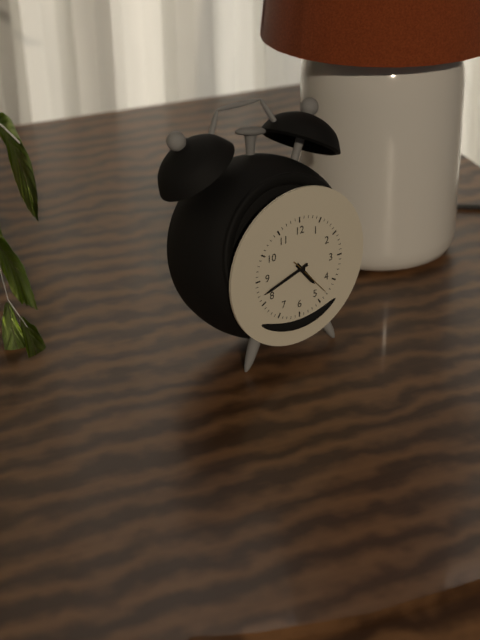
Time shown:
**4:42**
